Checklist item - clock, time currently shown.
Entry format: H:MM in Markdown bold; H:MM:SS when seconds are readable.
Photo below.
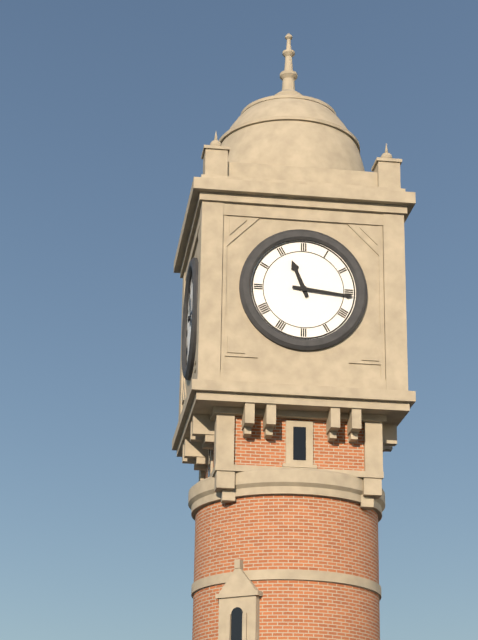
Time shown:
**11:16**
